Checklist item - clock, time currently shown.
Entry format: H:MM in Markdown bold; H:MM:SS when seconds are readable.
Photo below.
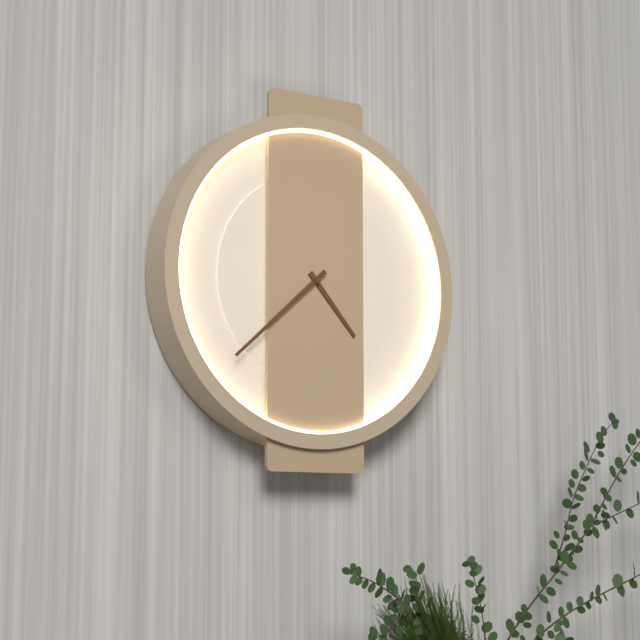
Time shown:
**4:38**
